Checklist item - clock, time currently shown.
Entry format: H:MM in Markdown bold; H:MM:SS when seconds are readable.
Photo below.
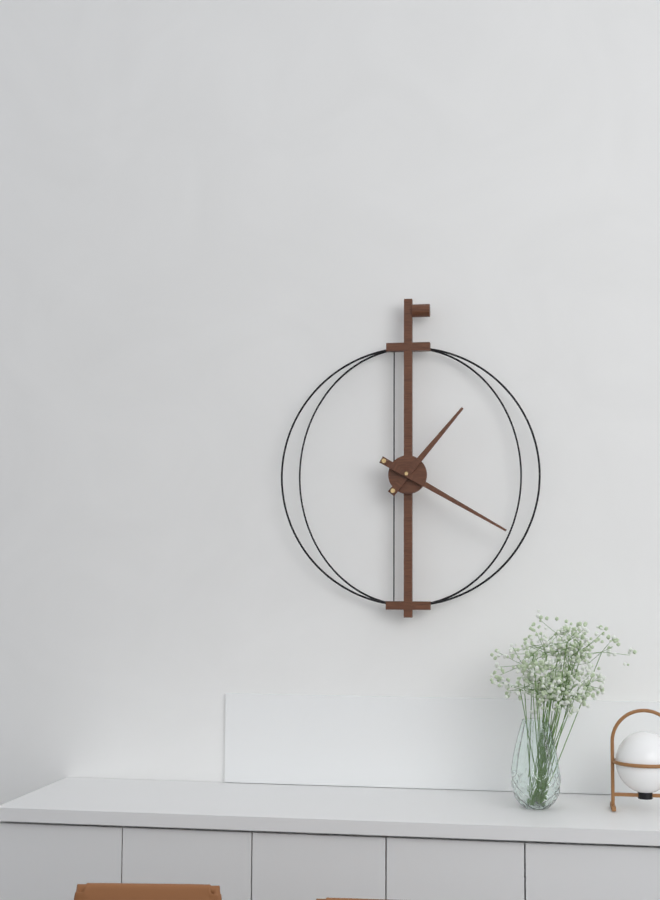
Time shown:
**1:20**
